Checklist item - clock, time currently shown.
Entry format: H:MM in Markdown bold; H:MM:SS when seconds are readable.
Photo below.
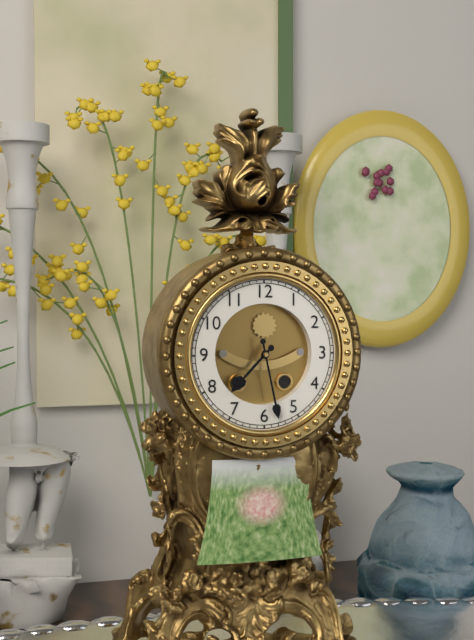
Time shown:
**7:28**
